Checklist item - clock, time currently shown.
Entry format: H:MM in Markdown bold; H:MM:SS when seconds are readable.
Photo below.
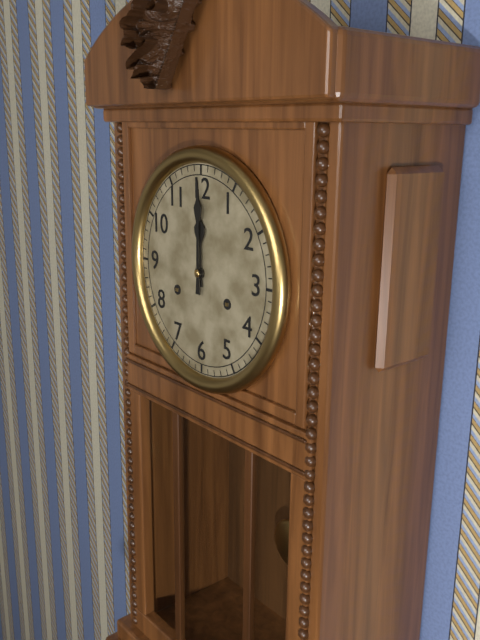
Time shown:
**12:00**
